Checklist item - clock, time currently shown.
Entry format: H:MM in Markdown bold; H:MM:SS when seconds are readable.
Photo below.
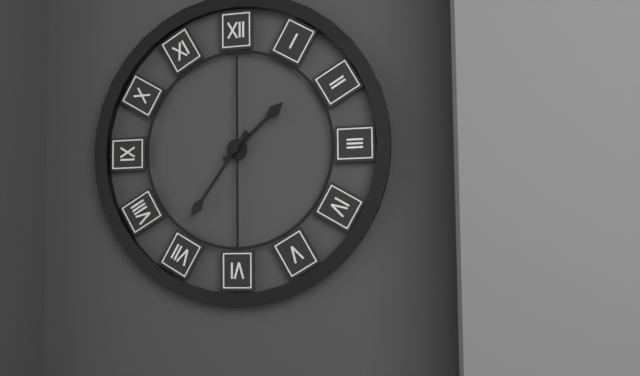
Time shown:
**1:36**
